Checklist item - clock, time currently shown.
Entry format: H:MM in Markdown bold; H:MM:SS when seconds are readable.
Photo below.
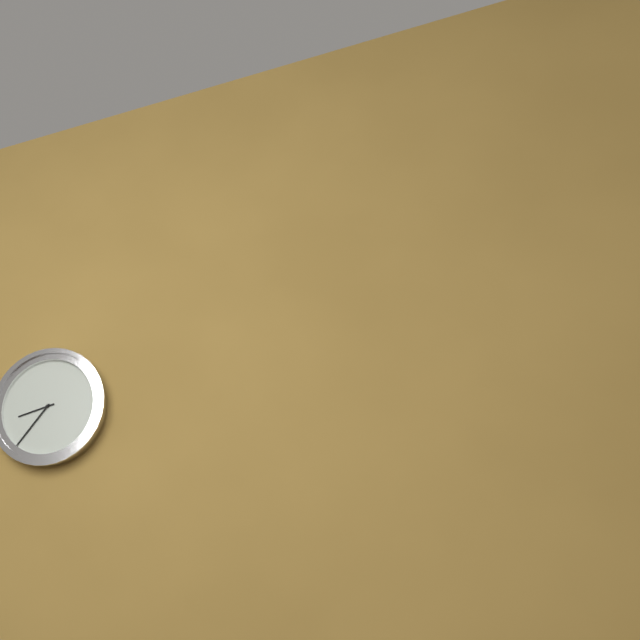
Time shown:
**8:37**
